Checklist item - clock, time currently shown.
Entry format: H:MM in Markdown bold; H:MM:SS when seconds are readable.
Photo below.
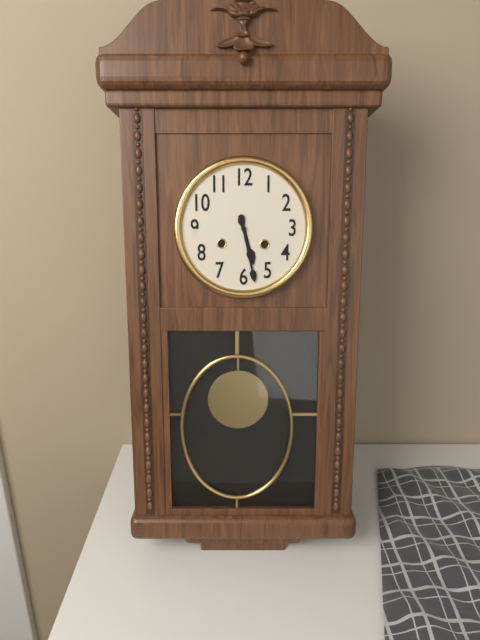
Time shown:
**5:28**
